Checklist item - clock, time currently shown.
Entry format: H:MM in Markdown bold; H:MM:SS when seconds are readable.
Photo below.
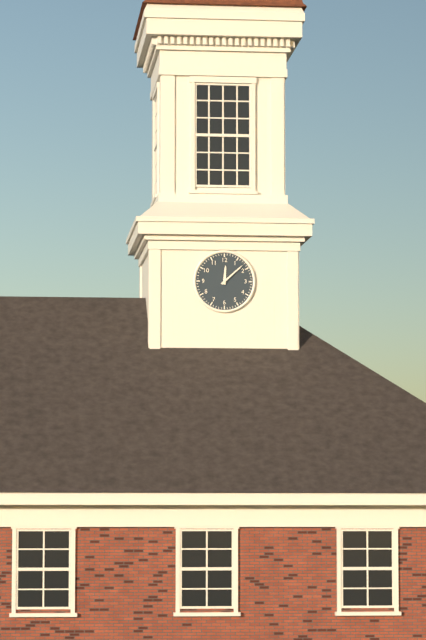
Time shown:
**12:08**
